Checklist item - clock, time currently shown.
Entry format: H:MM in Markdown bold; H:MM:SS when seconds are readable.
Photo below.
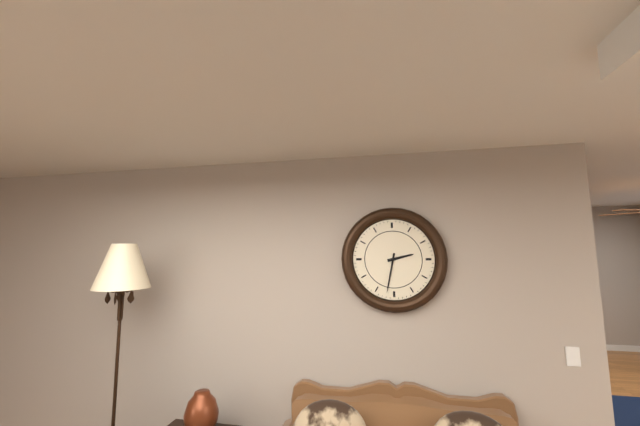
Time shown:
**2:32**
